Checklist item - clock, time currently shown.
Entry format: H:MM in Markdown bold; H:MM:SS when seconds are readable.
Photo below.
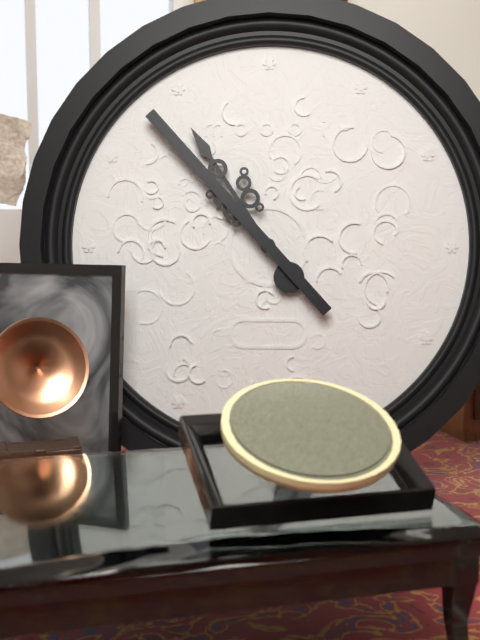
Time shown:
**10:53**
